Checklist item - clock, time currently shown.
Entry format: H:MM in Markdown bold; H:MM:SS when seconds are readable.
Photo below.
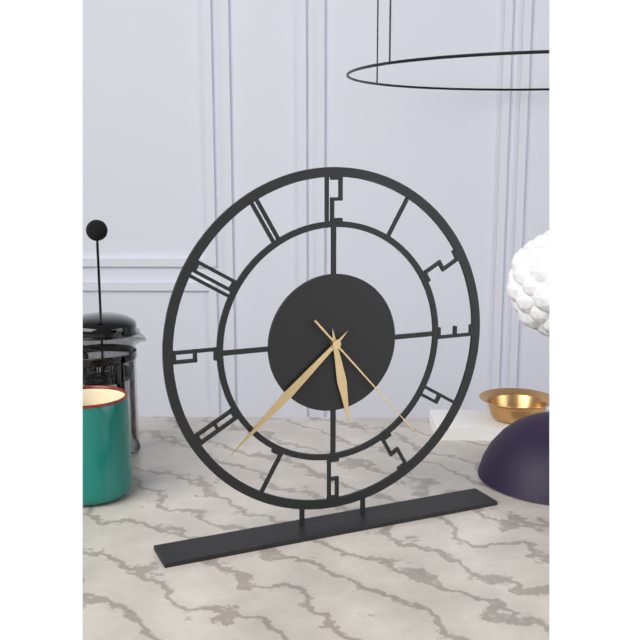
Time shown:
**5:38:23**
